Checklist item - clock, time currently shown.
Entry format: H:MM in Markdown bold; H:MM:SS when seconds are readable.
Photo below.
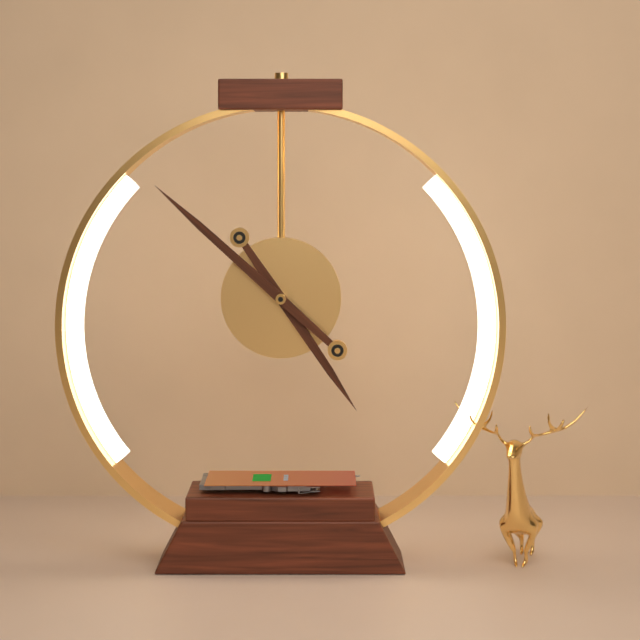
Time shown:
**4:52**
